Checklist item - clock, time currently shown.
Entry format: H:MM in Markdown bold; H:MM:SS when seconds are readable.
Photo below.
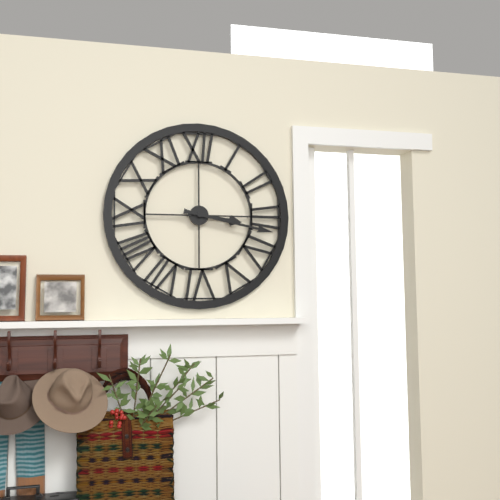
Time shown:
**3:17**
